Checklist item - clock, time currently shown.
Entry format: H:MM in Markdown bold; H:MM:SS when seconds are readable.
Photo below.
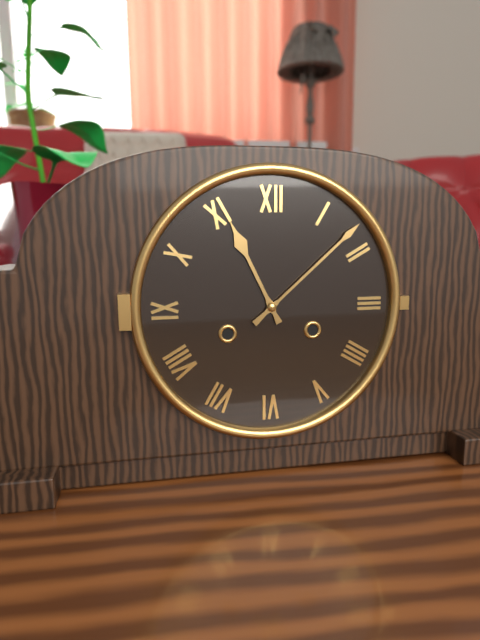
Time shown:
**11:08**
